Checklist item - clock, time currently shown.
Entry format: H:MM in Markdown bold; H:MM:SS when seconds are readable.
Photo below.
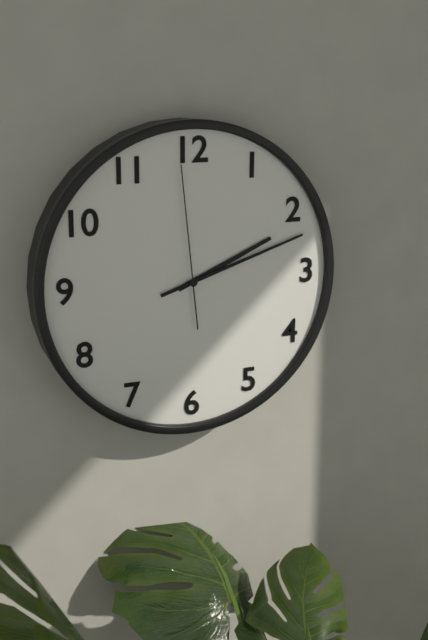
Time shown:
**2:12:59**
